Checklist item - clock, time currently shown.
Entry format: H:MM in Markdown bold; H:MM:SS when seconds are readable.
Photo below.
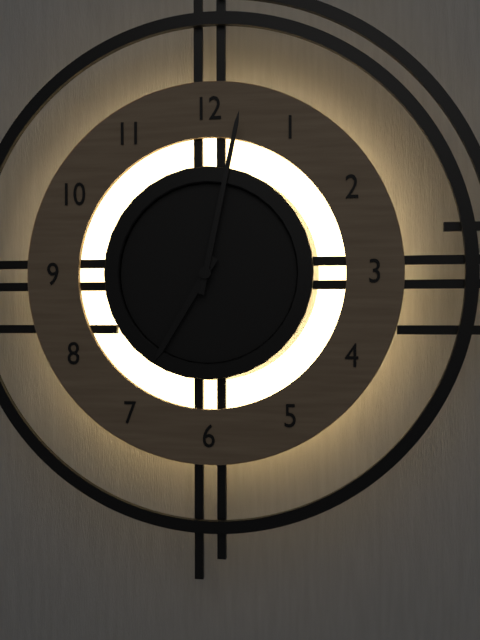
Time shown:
**7:02**
